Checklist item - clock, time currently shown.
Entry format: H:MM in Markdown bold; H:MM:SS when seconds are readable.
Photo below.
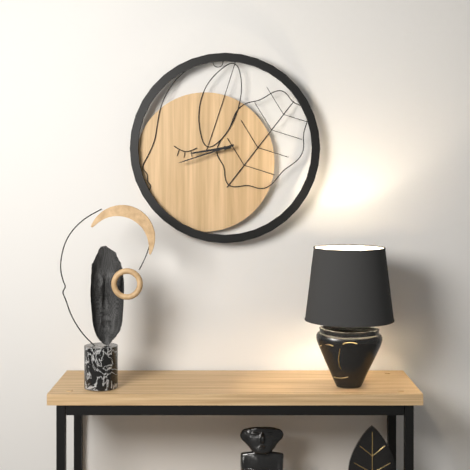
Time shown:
**8:42**
